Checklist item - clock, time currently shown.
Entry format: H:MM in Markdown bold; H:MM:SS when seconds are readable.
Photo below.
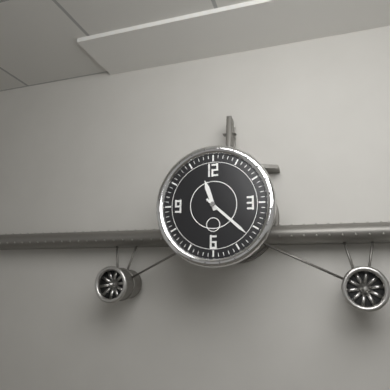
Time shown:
**11:22**
